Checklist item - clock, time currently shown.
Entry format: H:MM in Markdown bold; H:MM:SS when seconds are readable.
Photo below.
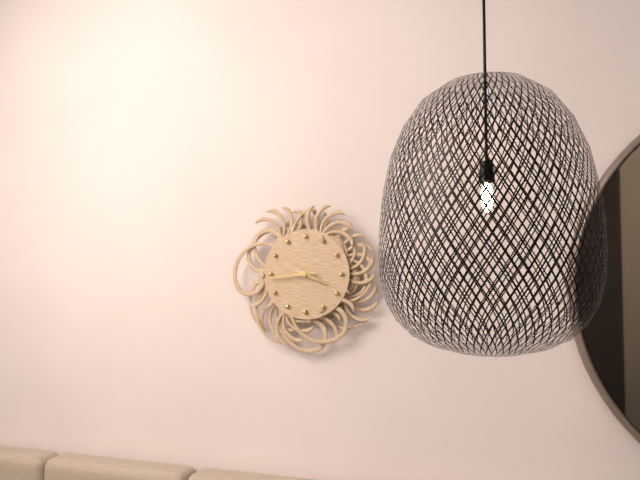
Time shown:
**3:44**
